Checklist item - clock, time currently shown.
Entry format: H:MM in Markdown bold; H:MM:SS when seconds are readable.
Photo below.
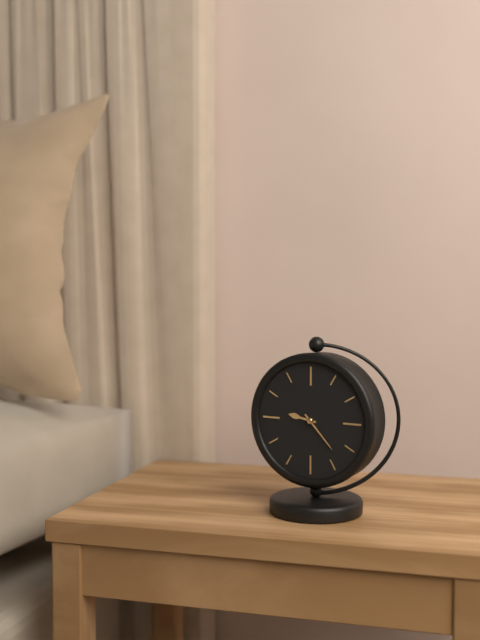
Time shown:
**9:23**
